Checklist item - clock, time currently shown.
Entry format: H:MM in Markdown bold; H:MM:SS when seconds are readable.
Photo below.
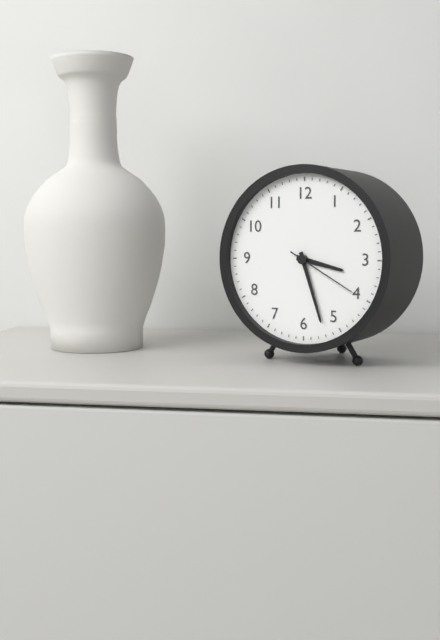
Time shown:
**3:27:20**
